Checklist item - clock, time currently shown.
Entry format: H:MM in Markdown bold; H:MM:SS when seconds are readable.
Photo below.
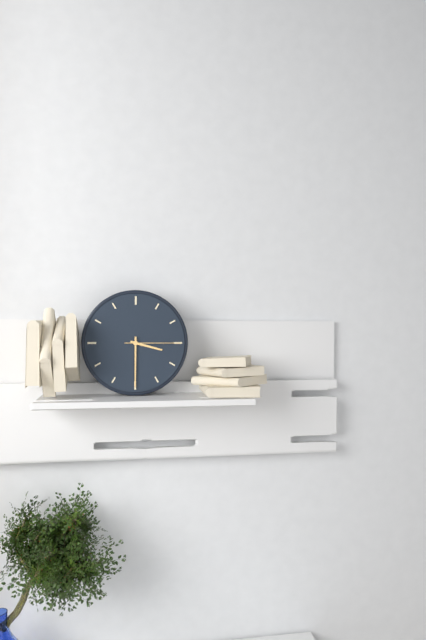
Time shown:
**3:30:15**
